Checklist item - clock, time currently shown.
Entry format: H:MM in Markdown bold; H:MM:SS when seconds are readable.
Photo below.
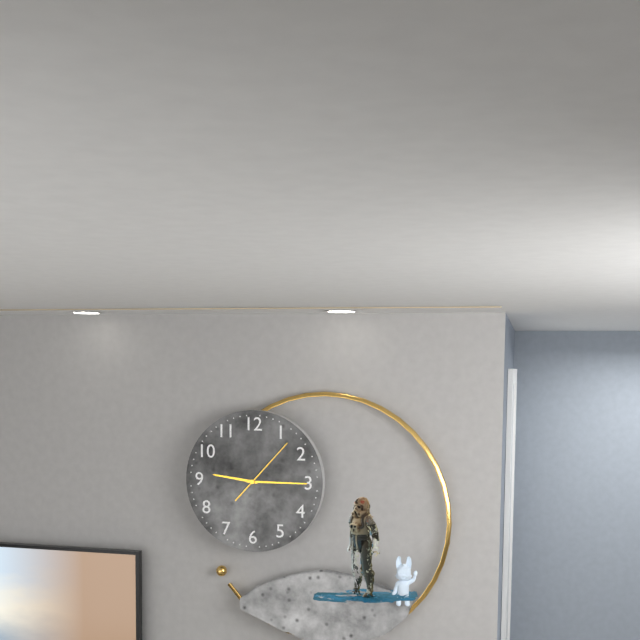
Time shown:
**9:15:07**
